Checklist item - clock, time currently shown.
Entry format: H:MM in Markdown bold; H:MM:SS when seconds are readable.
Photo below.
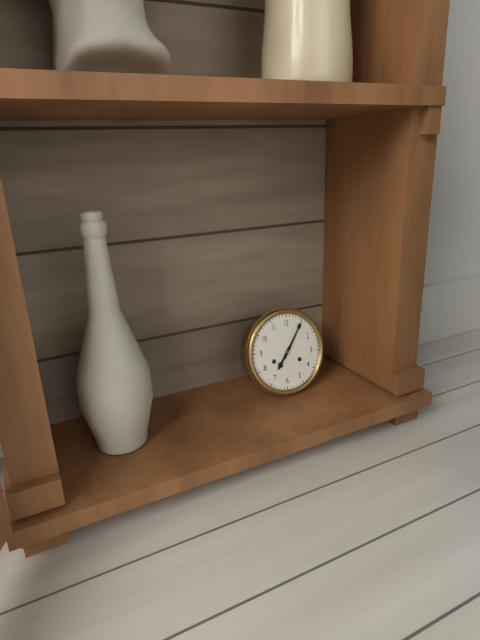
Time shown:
**7:05**
